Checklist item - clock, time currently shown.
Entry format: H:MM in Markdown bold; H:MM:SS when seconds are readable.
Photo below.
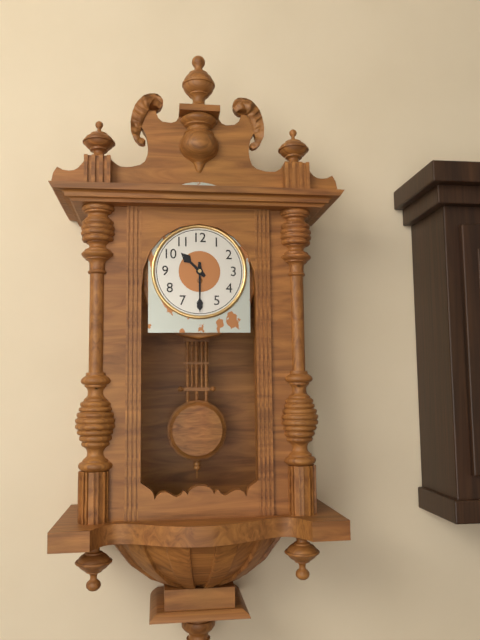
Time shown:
**10:30**
